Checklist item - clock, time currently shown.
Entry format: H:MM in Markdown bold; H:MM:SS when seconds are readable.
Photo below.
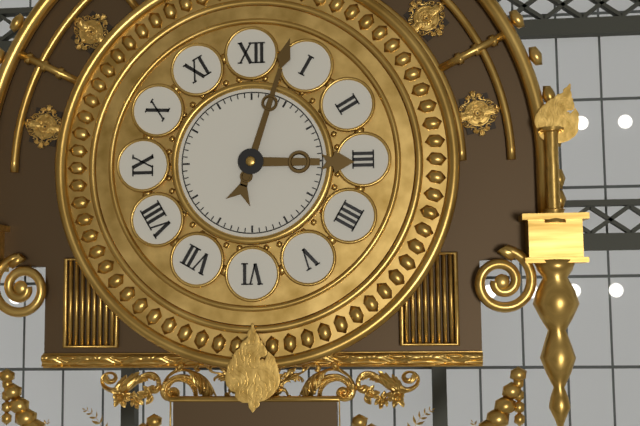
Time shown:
**3:03**
